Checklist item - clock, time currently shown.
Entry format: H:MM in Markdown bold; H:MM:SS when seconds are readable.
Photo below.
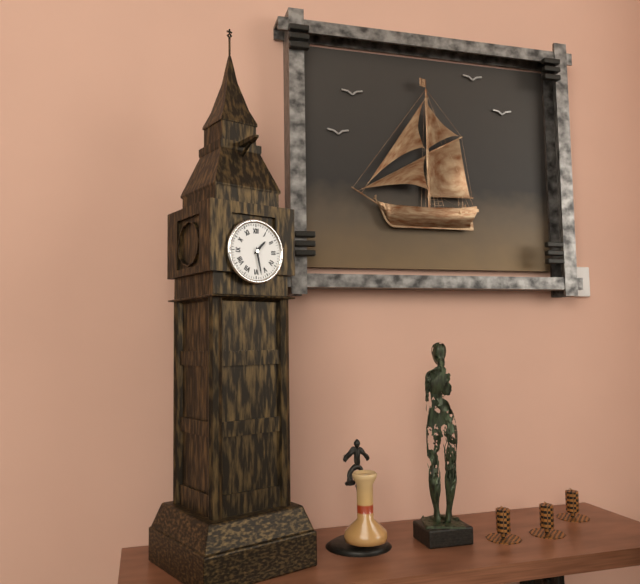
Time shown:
**1:28**
